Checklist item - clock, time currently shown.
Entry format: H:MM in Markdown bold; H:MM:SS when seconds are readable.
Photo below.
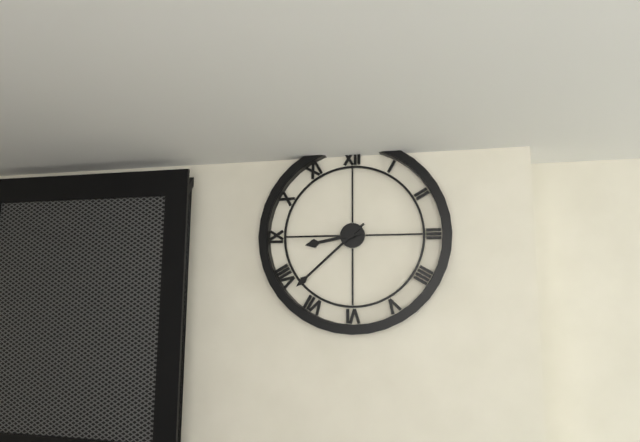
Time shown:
**8:38**
